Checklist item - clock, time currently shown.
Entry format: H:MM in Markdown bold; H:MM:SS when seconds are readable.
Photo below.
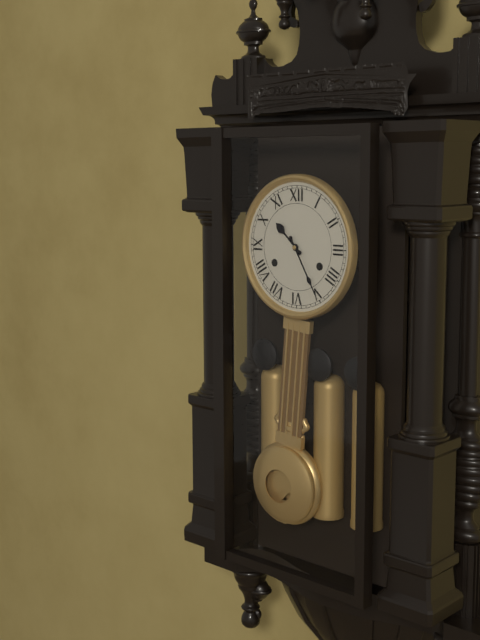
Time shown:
**10:25**
